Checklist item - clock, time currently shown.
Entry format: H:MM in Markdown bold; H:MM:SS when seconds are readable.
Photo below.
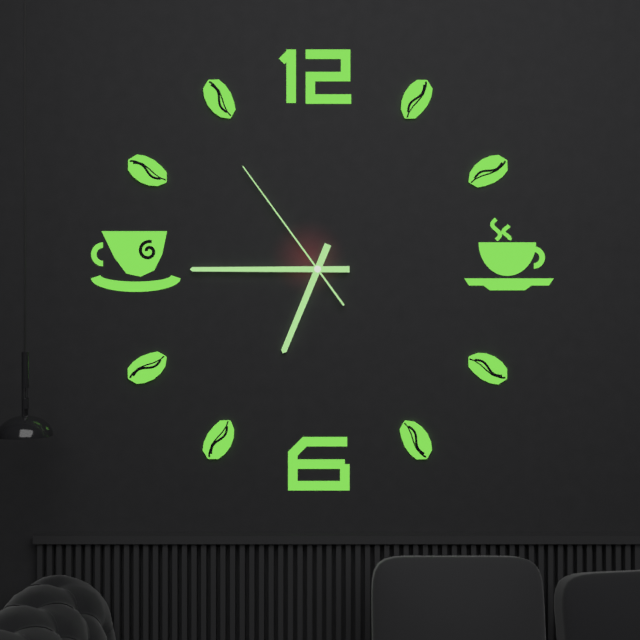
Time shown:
**6:45:54**
